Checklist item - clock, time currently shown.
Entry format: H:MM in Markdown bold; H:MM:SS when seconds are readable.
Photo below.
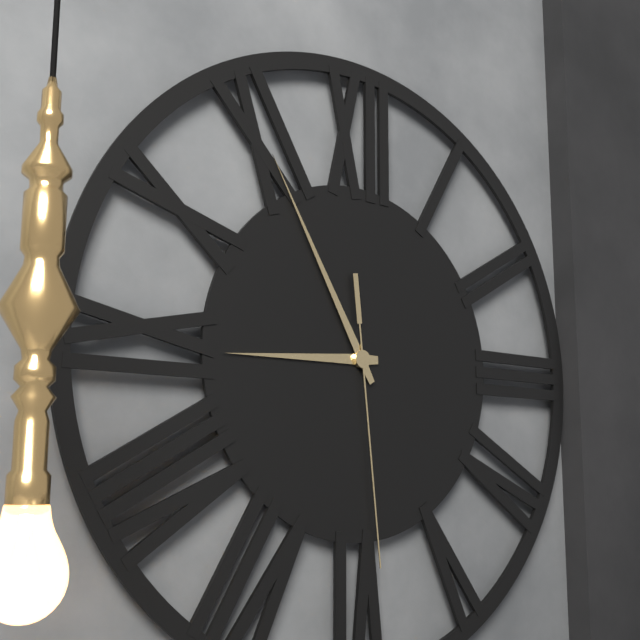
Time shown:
**8:55:29**
